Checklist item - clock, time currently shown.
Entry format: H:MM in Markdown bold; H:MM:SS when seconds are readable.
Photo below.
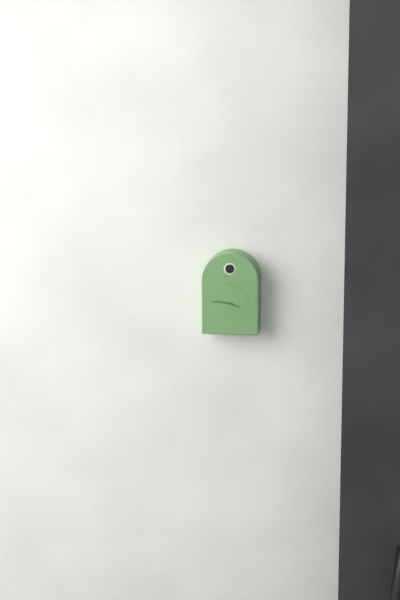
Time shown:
**3:46**
